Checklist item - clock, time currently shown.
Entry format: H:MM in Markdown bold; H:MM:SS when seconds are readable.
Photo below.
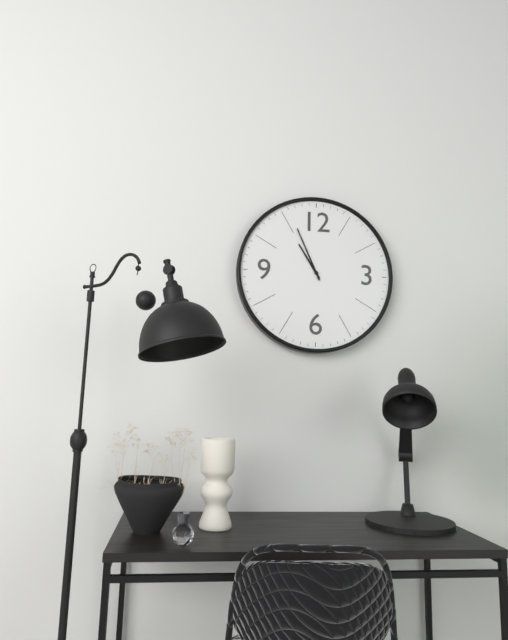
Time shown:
**10:56**
